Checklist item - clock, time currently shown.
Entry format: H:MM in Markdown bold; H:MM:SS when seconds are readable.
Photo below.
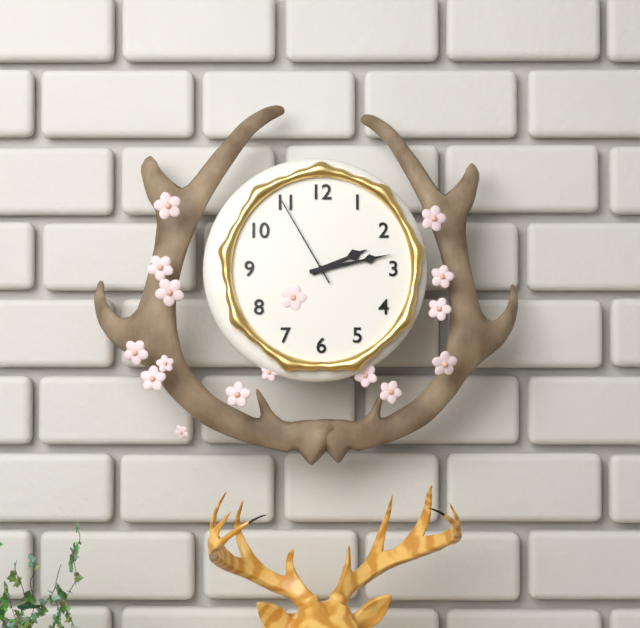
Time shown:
**2:13:55**
